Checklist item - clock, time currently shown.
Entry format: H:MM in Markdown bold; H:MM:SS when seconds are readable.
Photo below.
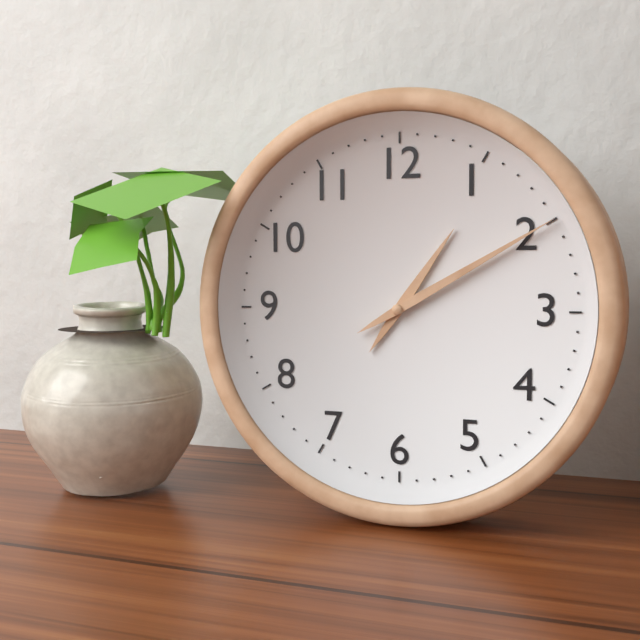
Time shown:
**1:10**
